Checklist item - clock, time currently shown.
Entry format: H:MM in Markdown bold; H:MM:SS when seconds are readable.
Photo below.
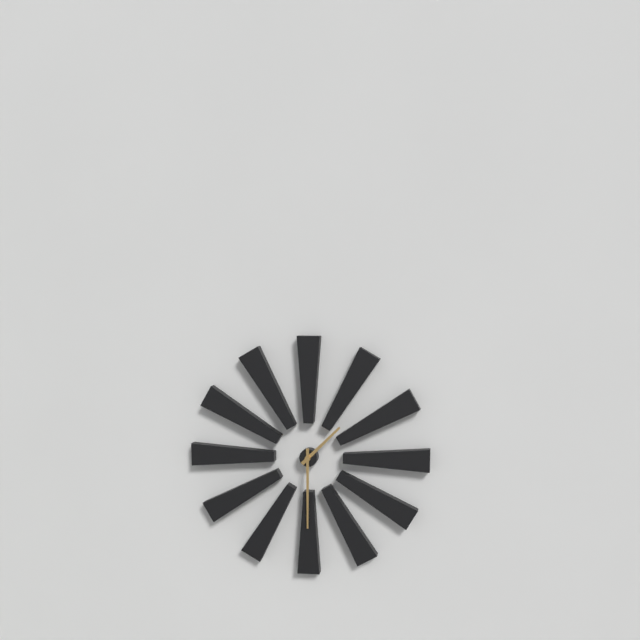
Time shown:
**1:30**
